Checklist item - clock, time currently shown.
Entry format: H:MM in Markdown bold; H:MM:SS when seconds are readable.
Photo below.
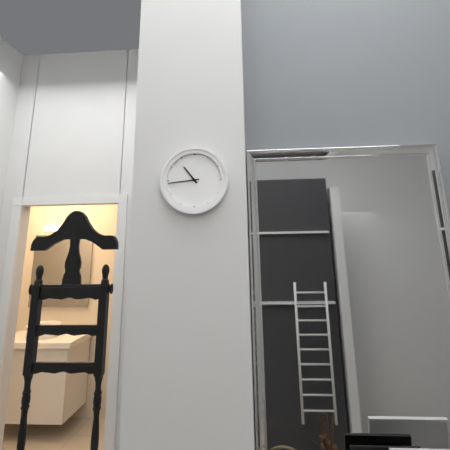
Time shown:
**10:44**
